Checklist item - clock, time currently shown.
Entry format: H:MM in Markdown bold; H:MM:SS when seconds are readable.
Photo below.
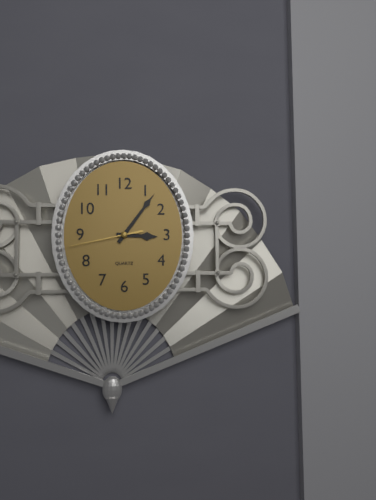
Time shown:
**3:06:43**
